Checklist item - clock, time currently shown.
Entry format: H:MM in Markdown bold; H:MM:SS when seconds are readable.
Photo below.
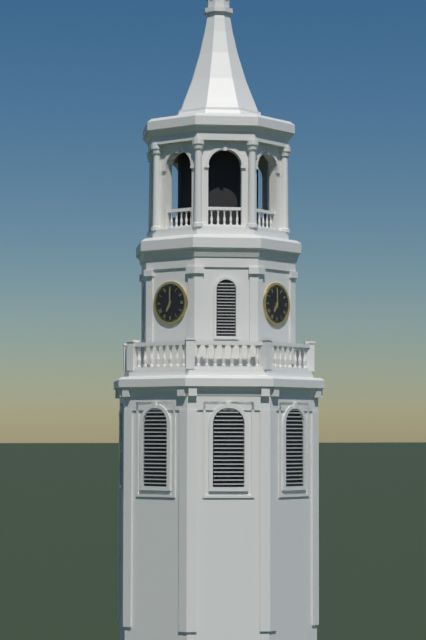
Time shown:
**7:00**
